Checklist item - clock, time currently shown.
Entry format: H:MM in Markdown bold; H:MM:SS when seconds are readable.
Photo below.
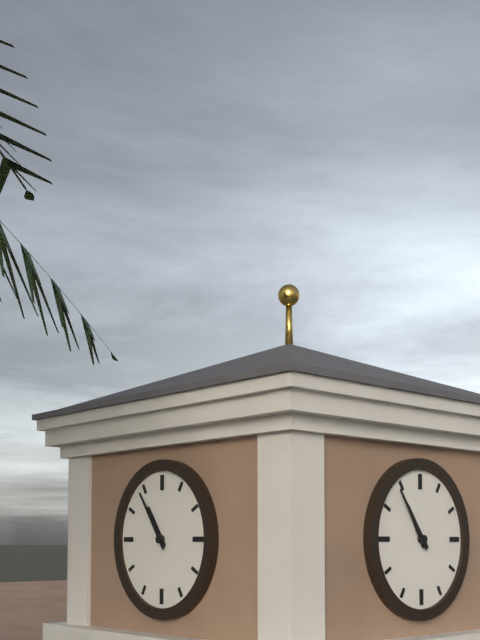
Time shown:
**10:54**
